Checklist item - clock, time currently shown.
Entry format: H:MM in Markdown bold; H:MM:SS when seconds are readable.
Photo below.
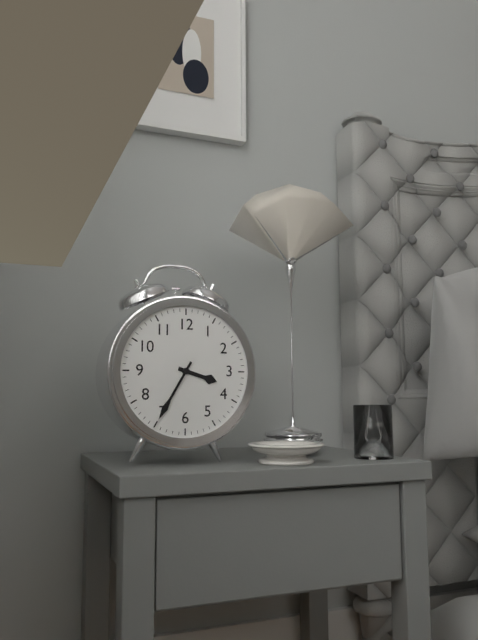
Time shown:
**3:35**
